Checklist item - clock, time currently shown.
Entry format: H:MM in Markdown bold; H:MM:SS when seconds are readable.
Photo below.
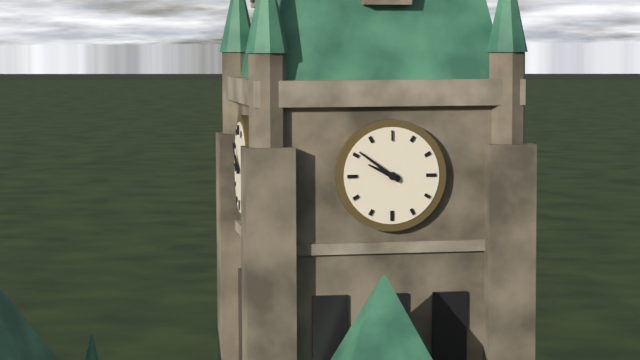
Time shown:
**9:51**
